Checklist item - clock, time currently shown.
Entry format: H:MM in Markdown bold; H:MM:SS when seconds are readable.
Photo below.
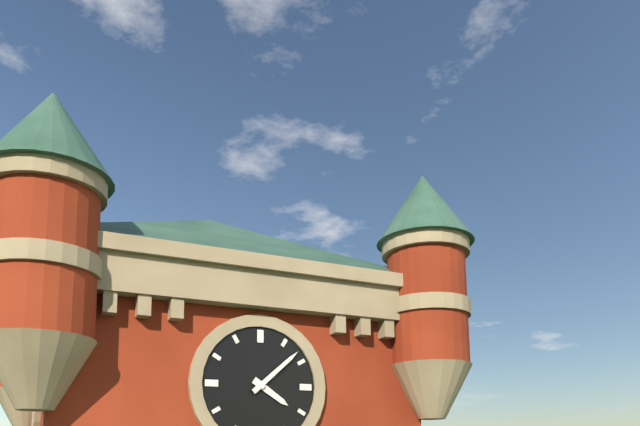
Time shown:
**4:08**
